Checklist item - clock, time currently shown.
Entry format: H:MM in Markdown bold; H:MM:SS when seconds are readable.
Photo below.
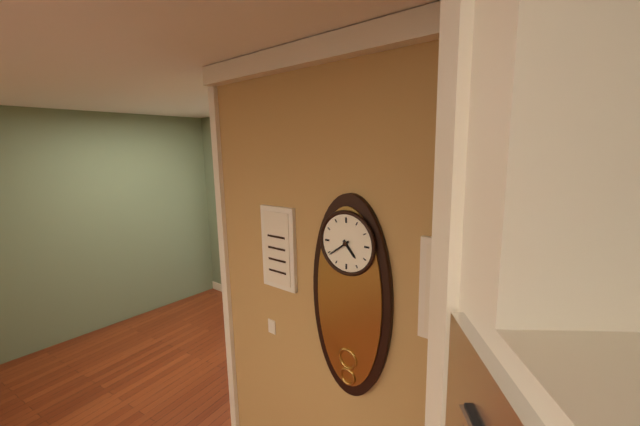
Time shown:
**4:39**
